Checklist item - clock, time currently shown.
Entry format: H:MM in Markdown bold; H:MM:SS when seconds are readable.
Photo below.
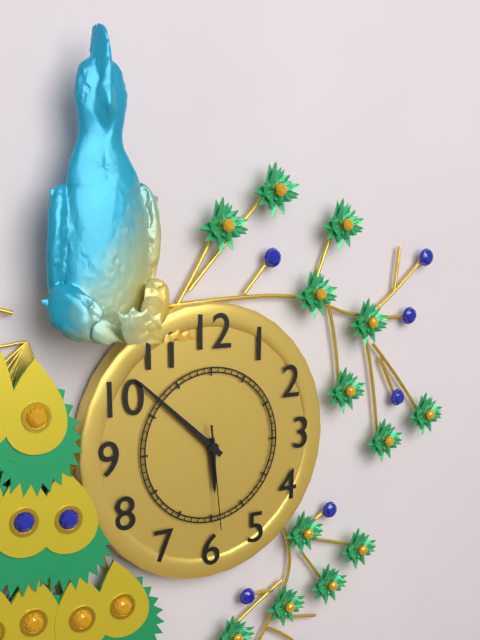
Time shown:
**5:52:29**
